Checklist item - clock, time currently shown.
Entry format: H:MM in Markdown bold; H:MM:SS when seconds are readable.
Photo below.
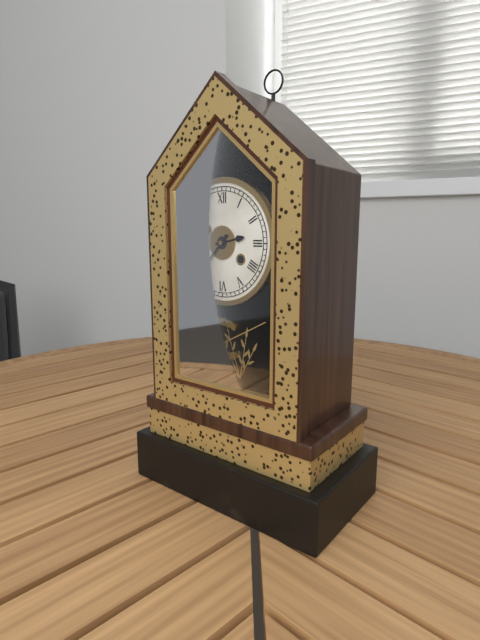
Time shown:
**2:37**
